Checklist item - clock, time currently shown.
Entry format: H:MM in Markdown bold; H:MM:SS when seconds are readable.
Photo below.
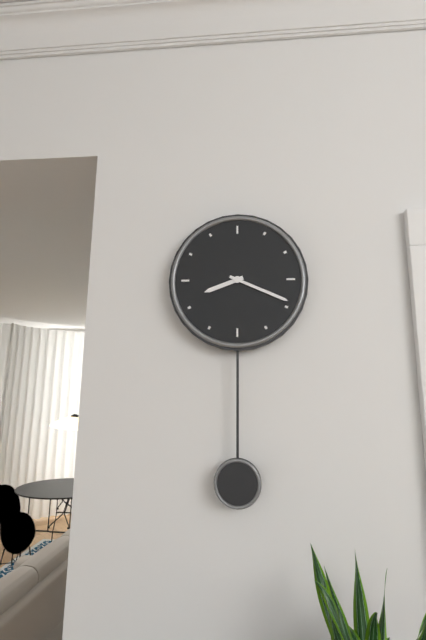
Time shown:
**8:19**
